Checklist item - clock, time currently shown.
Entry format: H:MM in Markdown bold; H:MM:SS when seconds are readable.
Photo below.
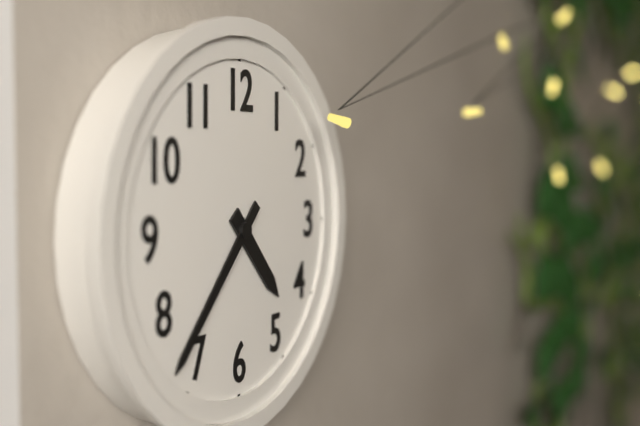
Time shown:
**4:37**
